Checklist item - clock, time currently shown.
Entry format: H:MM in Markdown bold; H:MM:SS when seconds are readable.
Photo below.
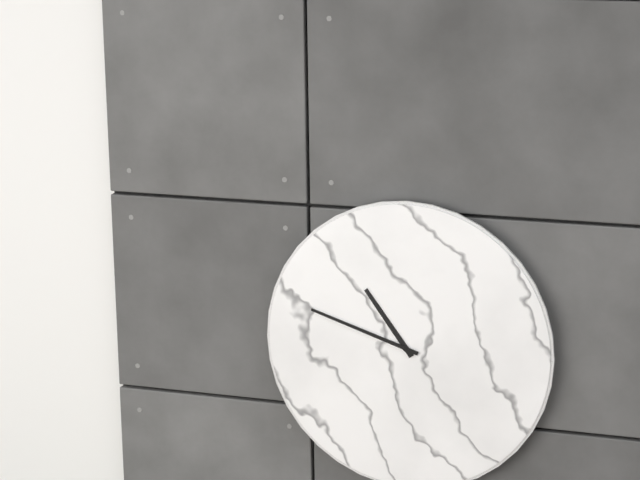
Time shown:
**10:48**
